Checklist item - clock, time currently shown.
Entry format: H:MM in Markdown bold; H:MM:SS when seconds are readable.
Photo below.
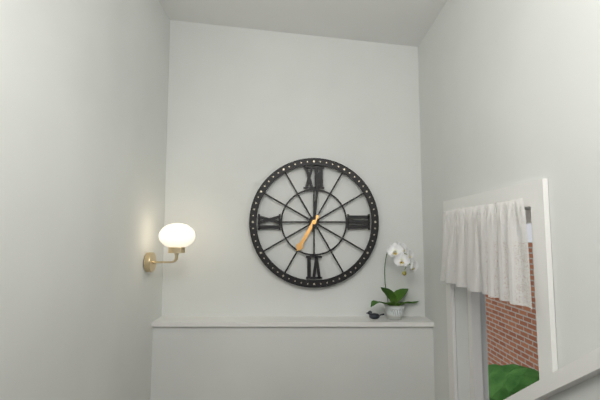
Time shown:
**7:01**
